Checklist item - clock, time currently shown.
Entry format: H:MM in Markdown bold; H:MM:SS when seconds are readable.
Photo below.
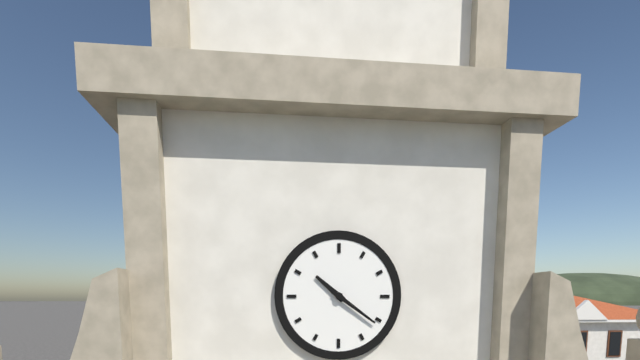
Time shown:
**10:21**
